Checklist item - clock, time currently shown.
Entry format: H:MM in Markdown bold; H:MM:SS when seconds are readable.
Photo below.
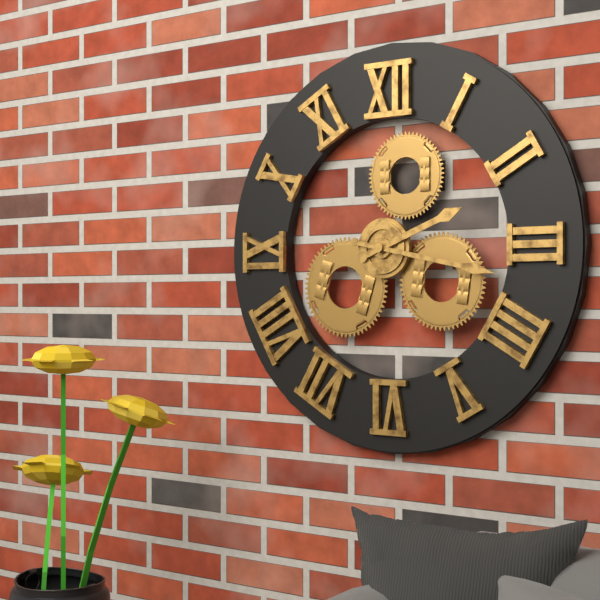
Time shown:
**2:17**
